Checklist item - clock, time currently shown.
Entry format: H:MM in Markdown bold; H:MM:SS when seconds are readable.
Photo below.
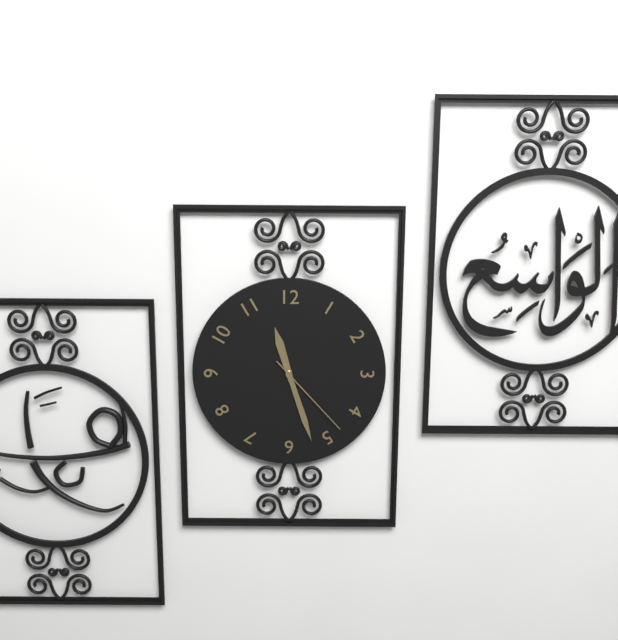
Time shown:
**11:27:23**
